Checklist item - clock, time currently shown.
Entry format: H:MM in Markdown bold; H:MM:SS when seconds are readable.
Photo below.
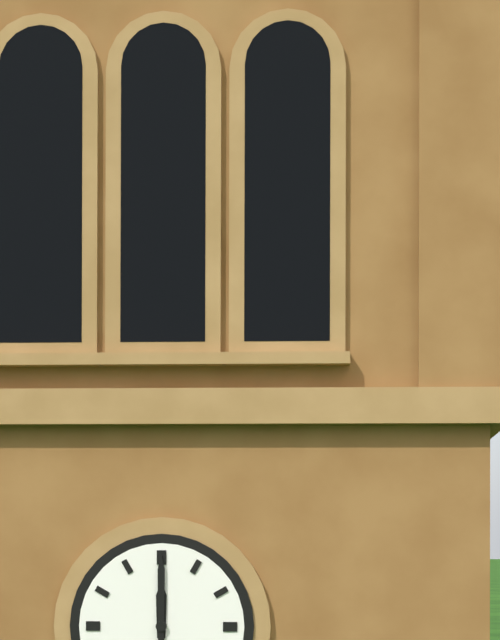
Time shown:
**12:00**
